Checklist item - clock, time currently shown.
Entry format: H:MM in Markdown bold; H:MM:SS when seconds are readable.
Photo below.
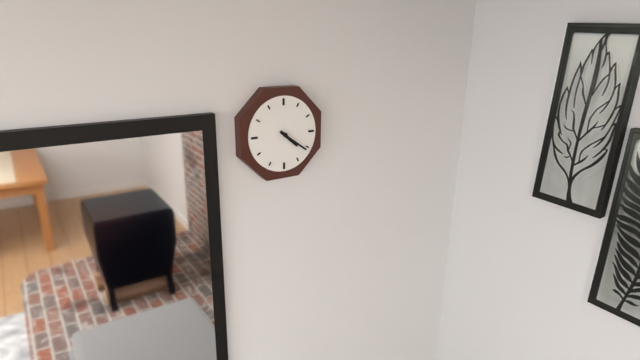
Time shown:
**4:21**
